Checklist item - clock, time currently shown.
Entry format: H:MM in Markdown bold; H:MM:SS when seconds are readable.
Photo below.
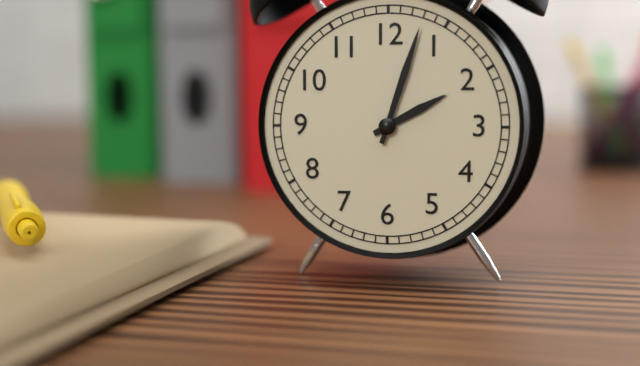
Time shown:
**2:03**
